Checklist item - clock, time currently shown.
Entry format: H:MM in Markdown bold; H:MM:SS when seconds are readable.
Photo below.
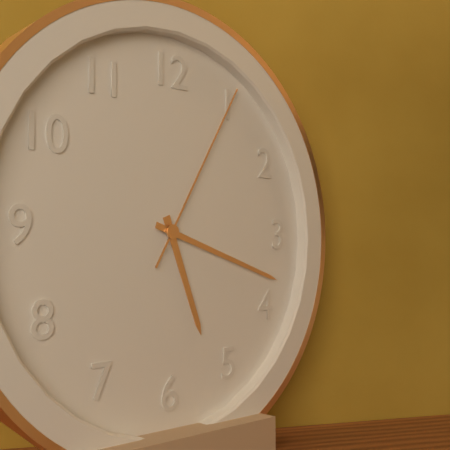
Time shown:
**5:18:05**
